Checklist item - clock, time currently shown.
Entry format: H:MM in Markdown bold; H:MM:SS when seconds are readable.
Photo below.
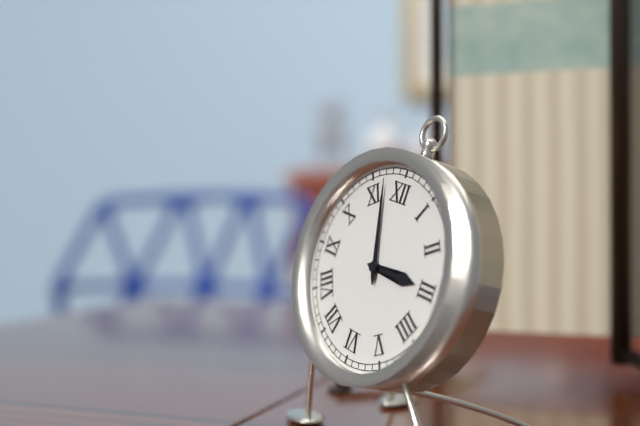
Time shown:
**2:57**
